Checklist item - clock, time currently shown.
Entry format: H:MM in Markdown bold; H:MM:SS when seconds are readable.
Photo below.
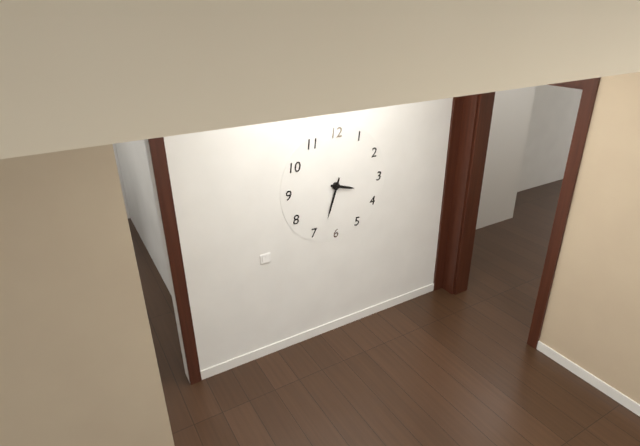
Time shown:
**3:33**
